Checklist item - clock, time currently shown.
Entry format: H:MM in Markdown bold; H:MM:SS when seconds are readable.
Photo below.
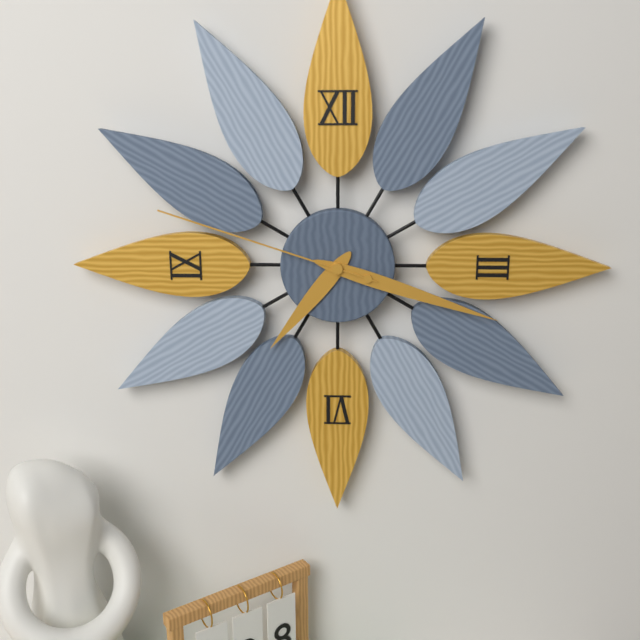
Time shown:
**7:18:48**
